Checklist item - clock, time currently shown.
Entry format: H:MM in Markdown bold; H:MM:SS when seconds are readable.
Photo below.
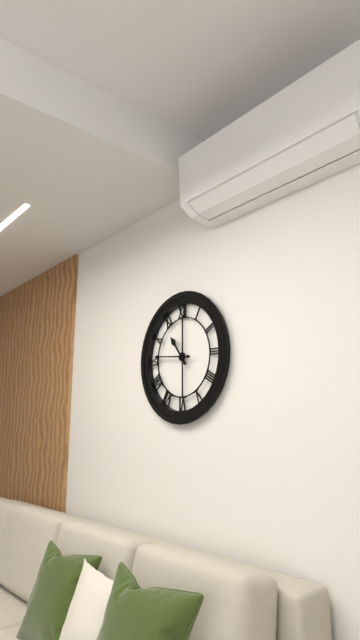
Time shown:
**10:46**
